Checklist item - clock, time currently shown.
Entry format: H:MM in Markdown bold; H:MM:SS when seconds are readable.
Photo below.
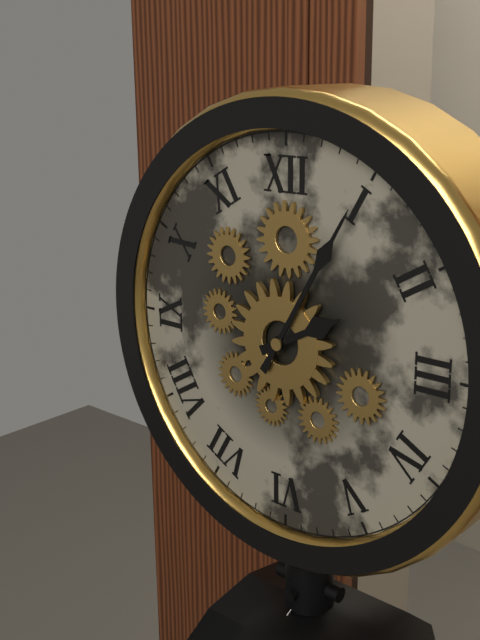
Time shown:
**2:05**
